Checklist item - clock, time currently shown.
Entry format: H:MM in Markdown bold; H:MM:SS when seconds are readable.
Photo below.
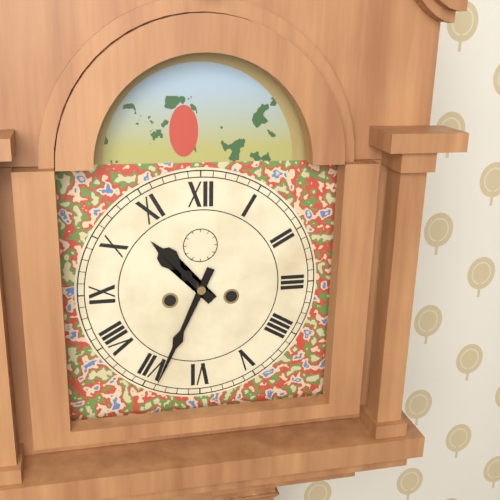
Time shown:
**10:34**
